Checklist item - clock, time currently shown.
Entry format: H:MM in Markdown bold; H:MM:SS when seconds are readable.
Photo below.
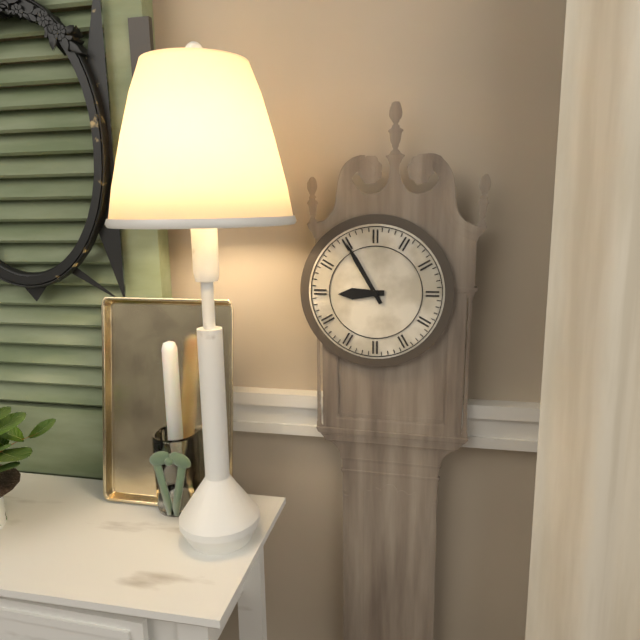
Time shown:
**8:55**
